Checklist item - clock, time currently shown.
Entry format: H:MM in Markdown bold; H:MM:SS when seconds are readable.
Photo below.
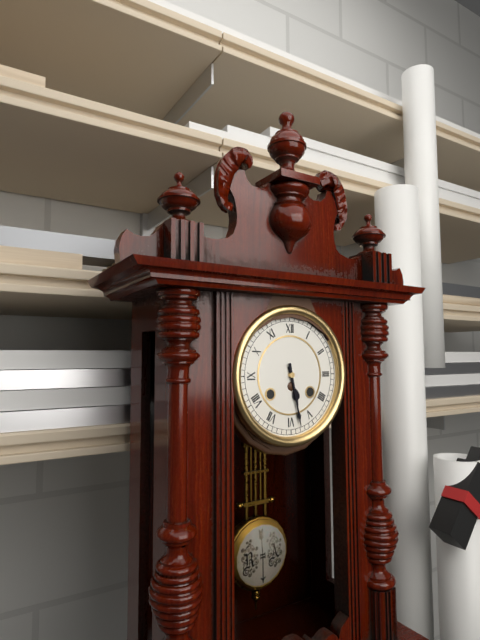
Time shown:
**5:28**
